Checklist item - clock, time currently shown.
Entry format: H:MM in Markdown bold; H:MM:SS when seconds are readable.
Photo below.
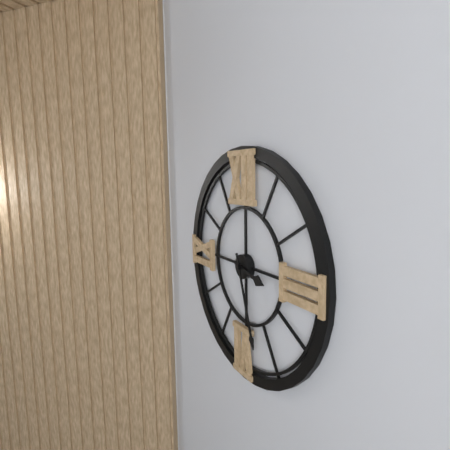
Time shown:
**3:27**
